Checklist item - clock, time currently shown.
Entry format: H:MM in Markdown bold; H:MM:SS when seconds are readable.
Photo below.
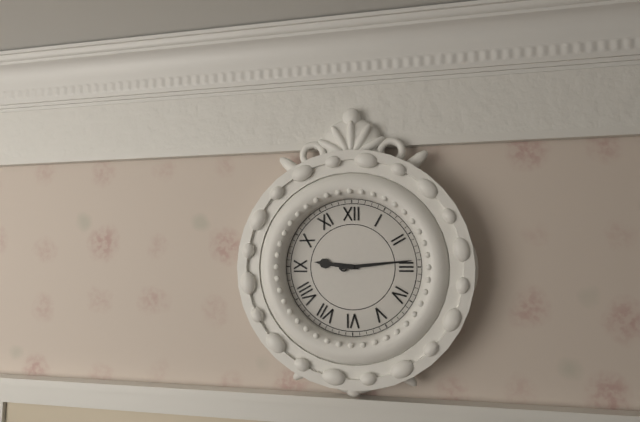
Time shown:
**9:14**
